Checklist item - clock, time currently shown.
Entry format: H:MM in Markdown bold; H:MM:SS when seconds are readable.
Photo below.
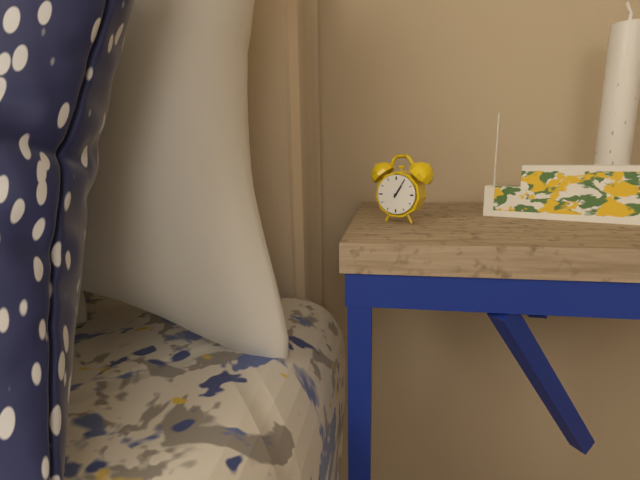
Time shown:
**1:05**
